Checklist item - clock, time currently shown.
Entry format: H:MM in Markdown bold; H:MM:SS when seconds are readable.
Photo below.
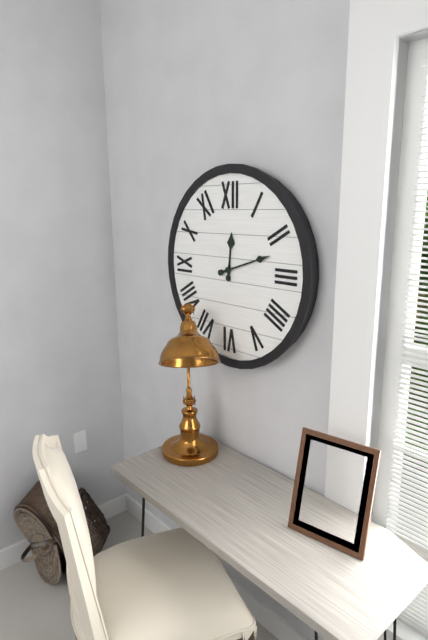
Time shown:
**12:12**
